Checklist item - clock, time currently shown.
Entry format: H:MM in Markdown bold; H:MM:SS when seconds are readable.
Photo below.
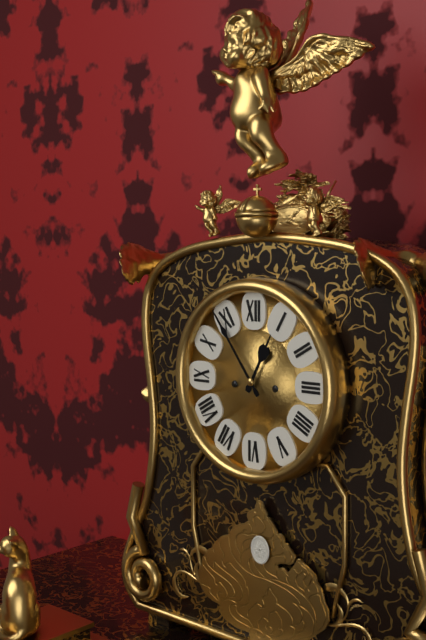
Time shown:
**12:54**
